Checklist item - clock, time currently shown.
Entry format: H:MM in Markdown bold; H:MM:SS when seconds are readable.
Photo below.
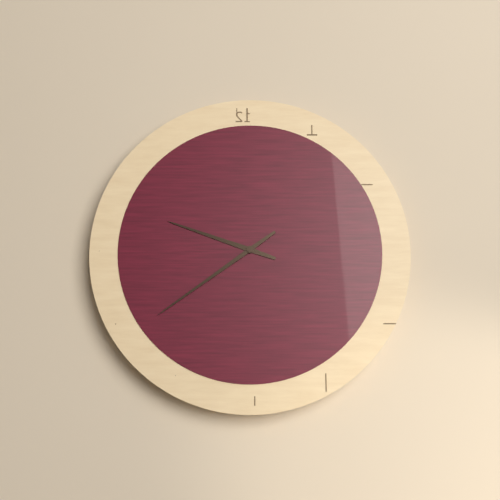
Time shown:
**9:39**
